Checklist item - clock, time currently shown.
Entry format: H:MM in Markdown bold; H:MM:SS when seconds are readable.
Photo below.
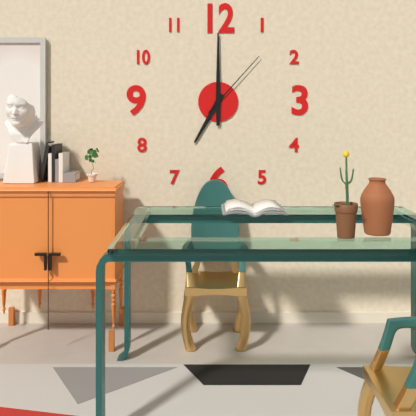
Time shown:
**7:00:07**
